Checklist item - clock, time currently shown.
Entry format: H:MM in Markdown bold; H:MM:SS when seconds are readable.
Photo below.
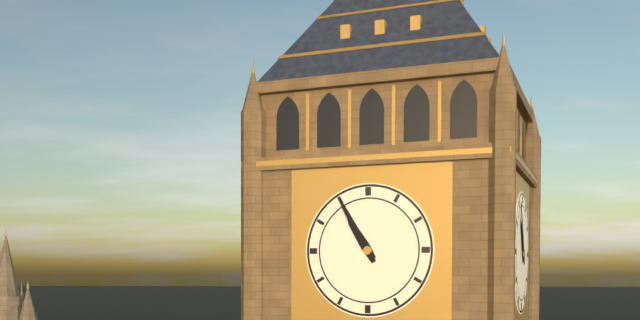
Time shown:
**10:55**
